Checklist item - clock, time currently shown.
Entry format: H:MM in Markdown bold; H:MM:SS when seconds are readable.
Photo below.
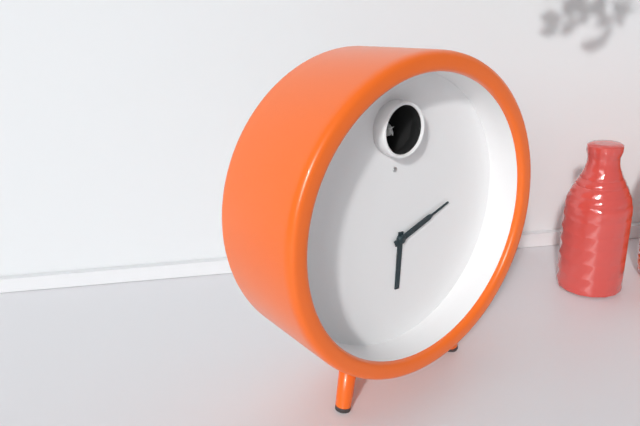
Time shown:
**6:12**
